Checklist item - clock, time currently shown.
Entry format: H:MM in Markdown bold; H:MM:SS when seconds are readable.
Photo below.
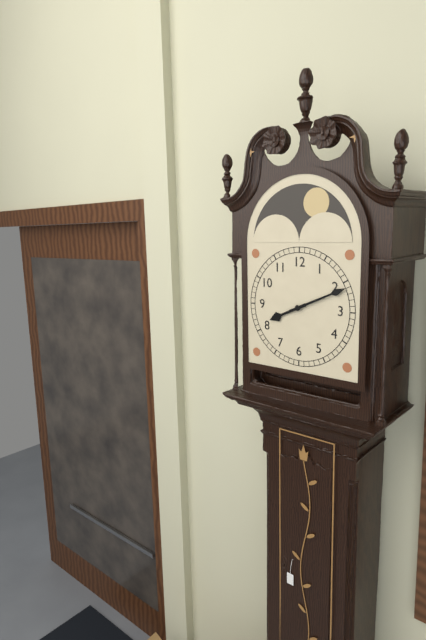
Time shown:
**8:11**
